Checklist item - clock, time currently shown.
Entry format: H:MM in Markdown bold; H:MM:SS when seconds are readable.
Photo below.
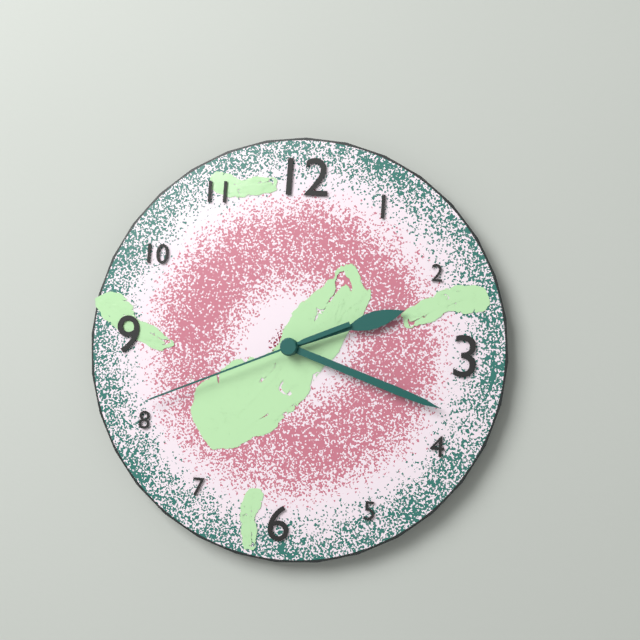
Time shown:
**2:18:41**
